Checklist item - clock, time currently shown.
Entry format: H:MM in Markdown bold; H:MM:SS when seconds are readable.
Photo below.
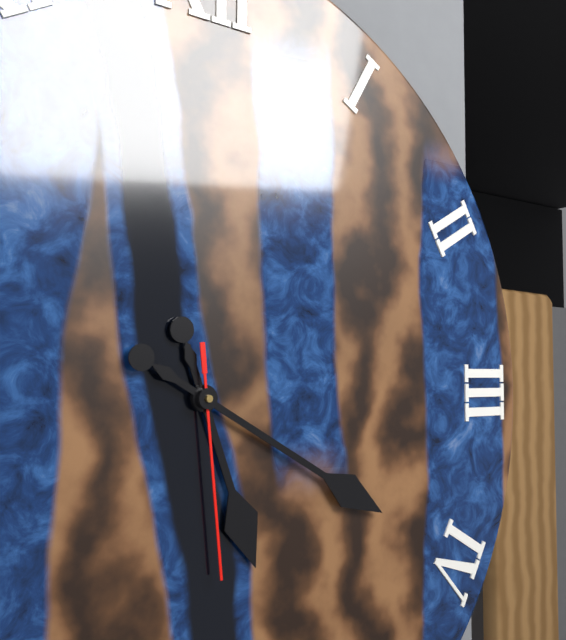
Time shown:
**5:20:29**
